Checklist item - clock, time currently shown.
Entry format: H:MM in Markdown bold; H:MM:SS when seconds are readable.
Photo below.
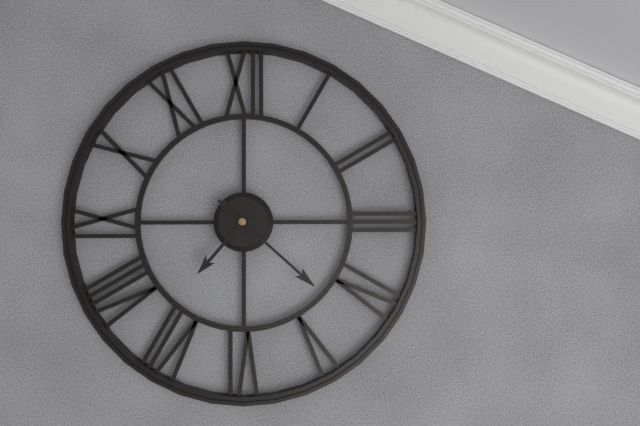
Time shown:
**7:22**
